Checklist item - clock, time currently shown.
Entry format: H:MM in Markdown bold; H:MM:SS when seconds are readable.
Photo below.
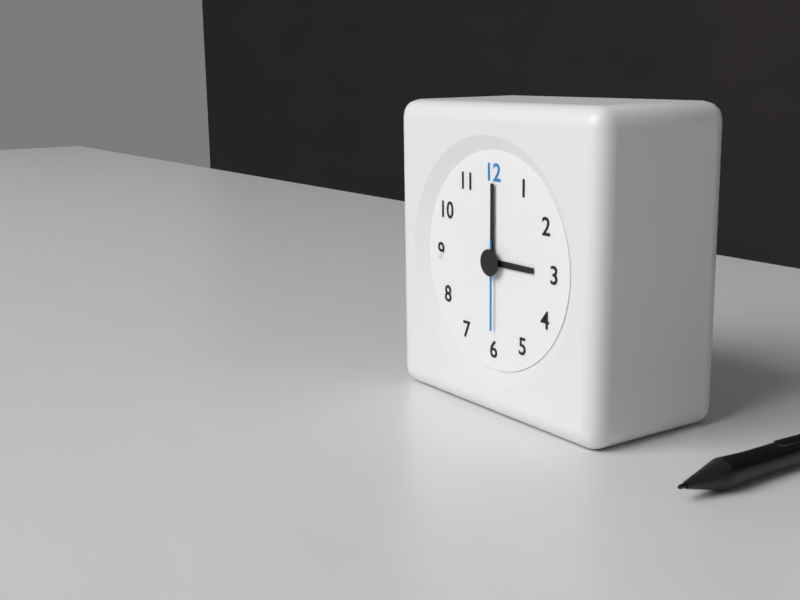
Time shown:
**3:00:30**
